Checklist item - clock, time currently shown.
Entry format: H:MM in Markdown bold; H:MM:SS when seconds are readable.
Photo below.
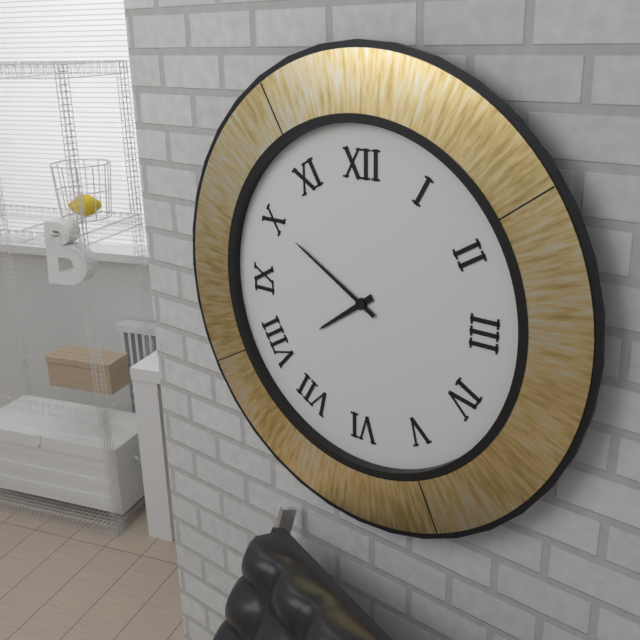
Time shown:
**7:50**
